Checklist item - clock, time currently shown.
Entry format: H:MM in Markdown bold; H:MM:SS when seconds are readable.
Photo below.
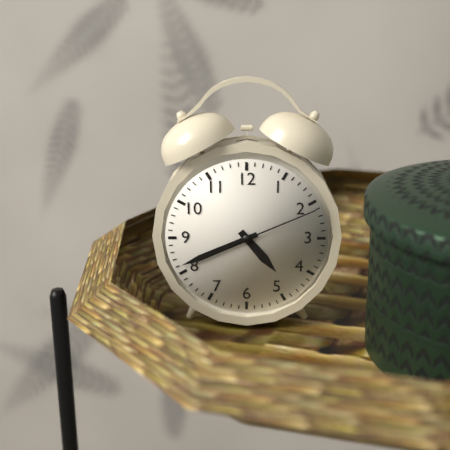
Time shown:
**4:41:11**
